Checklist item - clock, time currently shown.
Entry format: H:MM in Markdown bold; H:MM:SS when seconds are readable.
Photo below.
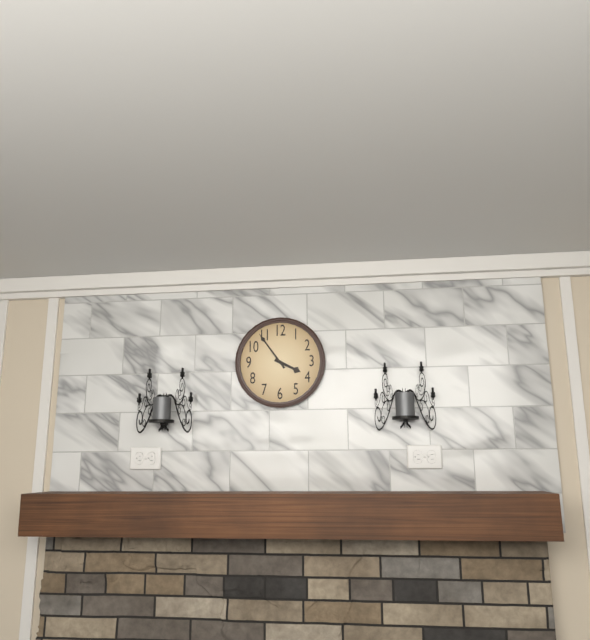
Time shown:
**3:54**
